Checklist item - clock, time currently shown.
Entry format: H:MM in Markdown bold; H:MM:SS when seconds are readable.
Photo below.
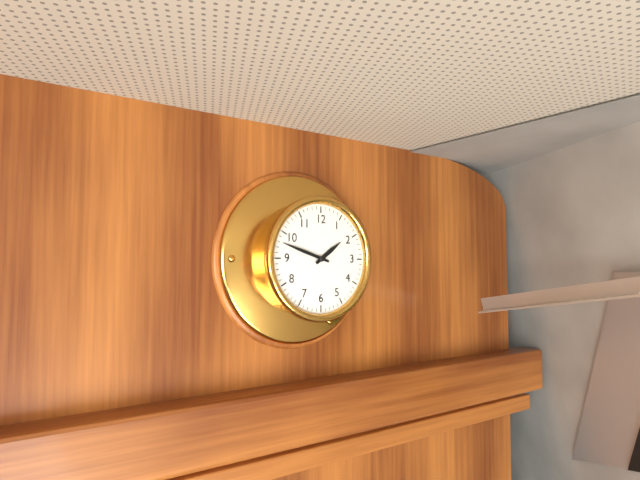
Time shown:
**1:48**
